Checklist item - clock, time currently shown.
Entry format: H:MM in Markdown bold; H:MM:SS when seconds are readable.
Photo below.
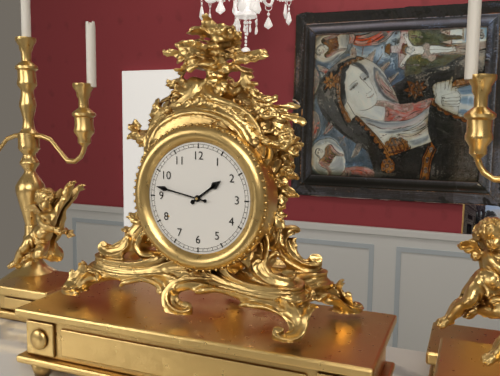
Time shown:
**1:47**
